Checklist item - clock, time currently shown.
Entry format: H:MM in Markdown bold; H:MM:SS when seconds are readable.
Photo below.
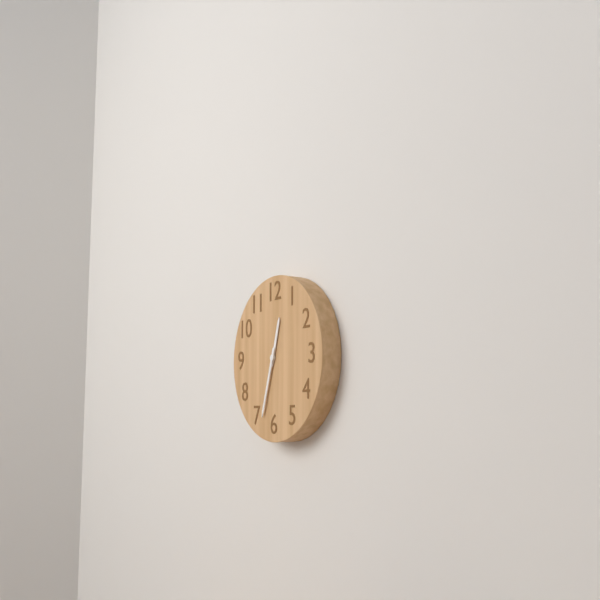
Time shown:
**12:33**
